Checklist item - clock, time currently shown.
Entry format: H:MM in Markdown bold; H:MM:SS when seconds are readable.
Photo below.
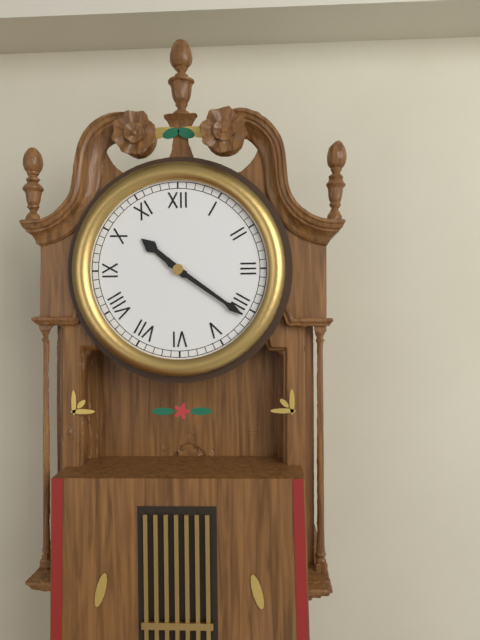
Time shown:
**10:21**
